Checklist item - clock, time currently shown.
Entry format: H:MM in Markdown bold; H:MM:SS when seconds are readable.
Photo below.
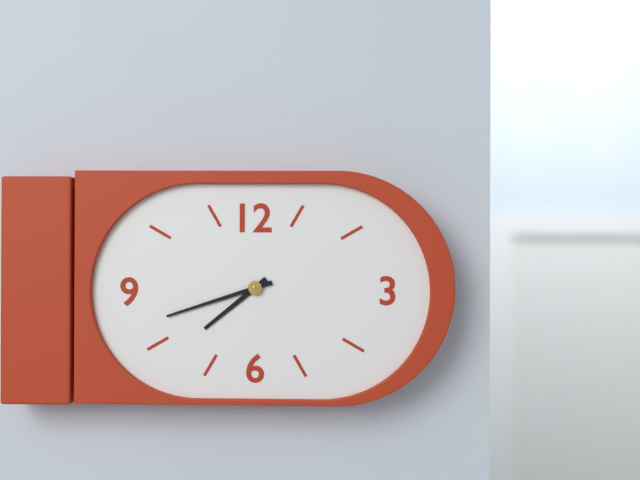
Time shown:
**7:42**
